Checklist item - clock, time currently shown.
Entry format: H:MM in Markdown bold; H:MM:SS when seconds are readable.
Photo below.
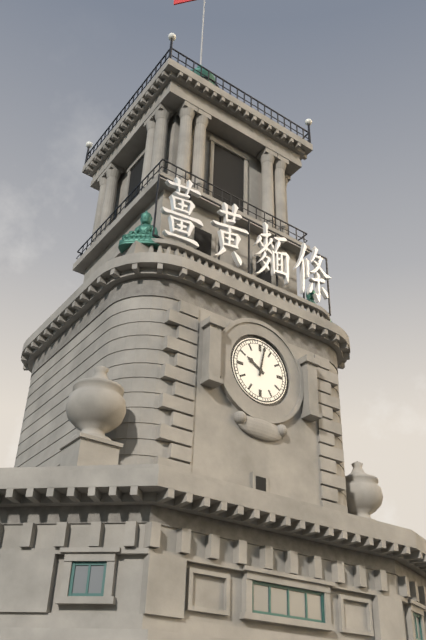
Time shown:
**10:02**
